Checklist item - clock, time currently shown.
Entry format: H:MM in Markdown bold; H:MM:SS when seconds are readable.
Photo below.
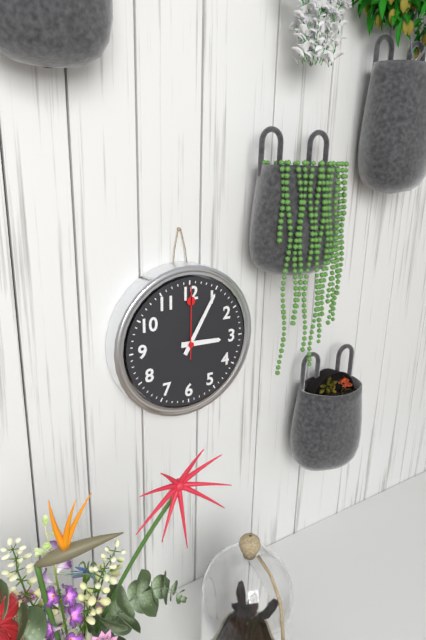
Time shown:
**3:05:00**
